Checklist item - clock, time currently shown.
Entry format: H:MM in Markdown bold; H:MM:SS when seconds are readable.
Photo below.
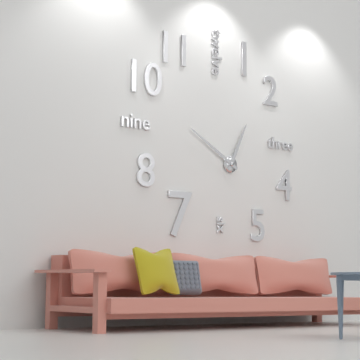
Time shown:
**12:50**
